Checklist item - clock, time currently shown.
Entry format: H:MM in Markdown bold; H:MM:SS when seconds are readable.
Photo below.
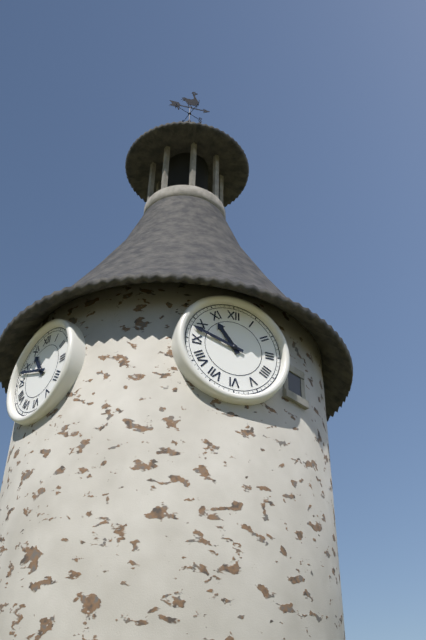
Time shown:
**10:48**
